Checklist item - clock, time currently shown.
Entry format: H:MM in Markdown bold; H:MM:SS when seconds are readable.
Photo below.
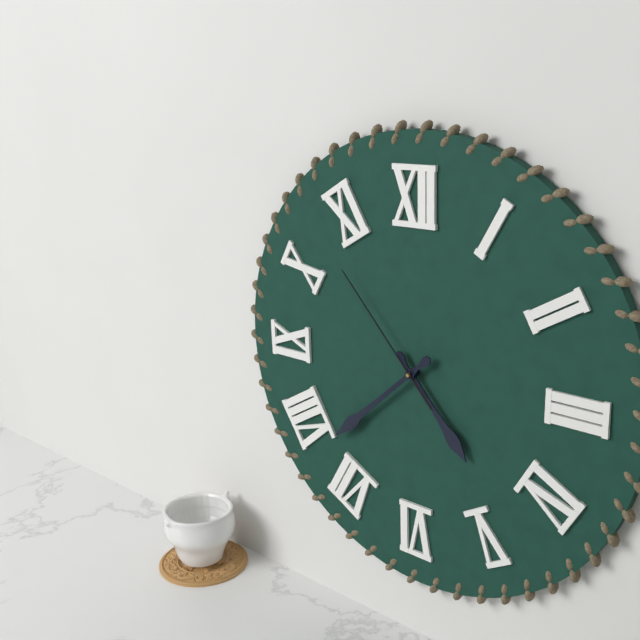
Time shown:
**4:38:53**
